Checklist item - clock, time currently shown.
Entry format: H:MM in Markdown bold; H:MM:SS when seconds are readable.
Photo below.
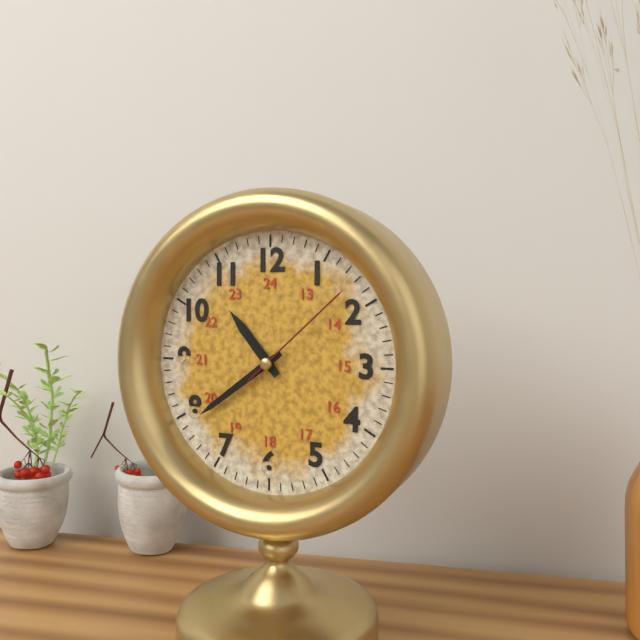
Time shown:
**10:39:08**
